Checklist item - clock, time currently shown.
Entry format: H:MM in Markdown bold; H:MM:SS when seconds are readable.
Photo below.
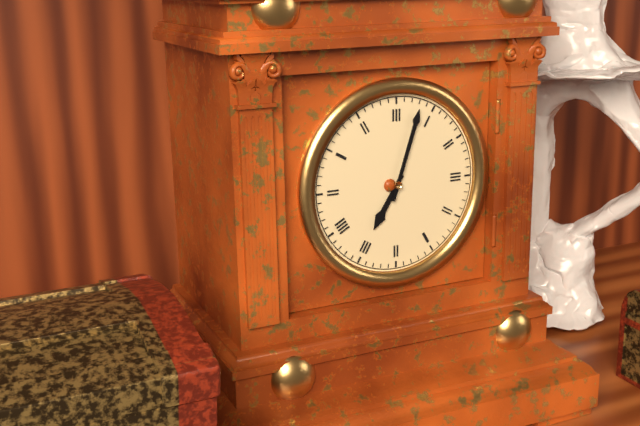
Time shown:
**7:03**
